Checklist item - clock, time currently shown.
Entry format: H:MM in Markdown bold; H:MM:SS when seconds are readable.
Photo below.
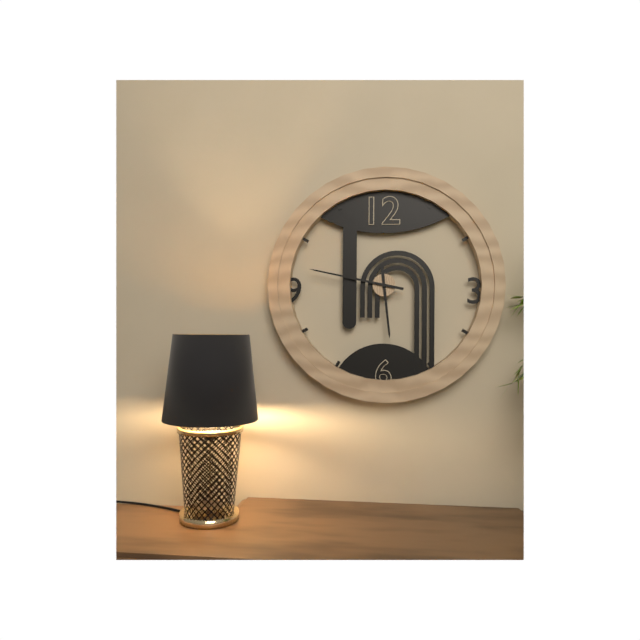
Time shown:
**5:47**
